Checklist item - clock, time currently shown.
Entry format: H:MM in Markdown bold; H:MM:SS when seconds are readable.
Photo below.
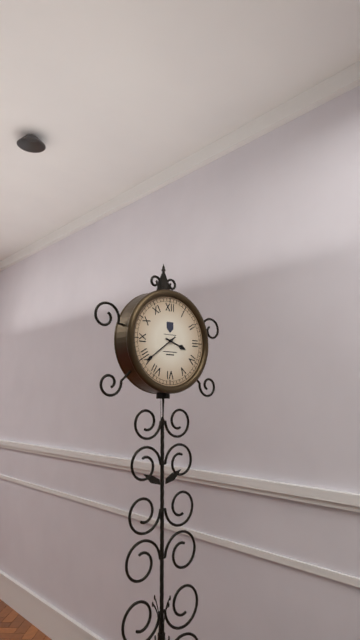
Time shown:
**3:39**
